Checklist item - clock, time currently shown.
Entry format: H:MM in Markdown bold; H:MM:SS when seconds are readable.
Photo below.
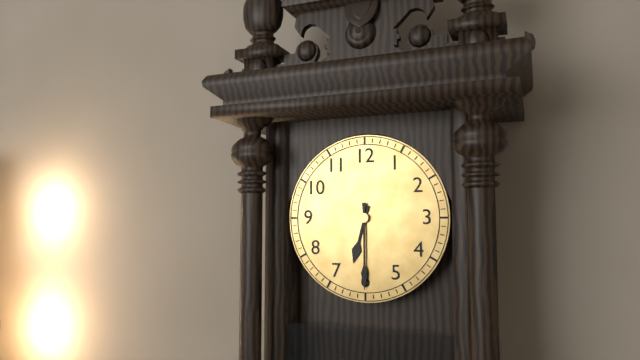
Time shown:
**6:30**
